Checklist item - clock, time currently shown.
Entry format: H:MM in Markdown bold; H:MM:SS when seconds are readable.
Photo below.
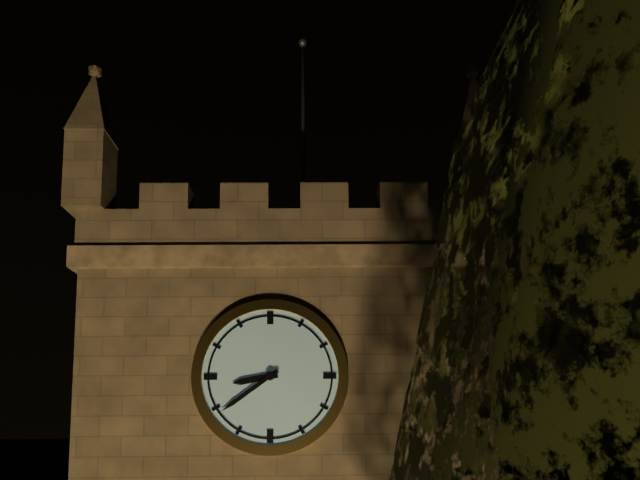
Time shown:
**8:39**
